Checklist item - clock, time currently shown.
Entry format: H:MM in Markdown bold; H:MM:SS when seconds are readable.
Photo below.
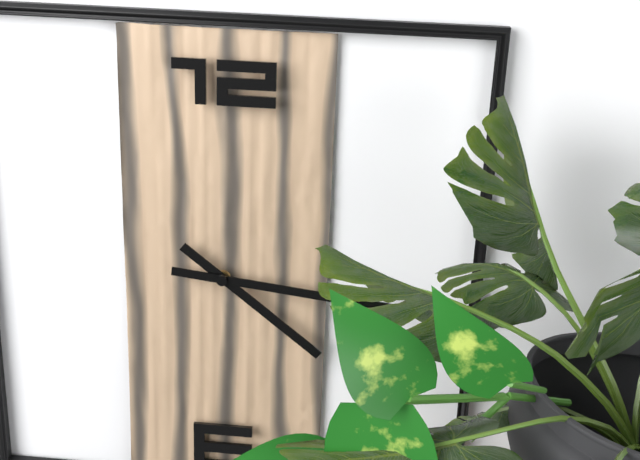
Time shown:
**4:16**
